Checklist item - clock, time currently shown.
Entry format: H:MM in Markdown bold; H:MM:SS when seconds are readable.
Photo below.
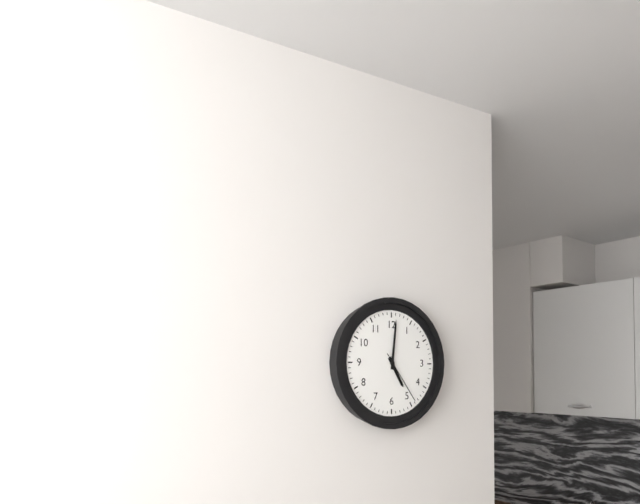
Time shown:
**5:01:24**
